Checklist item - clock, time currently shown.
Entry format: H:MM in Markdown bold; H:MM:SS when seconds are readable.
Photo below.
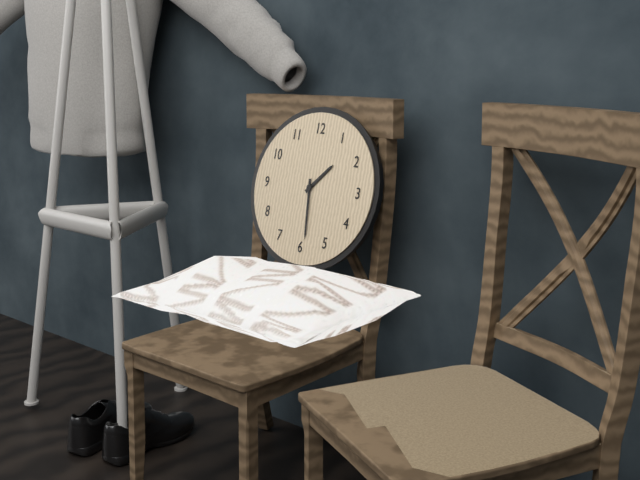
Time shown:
**1:29**
